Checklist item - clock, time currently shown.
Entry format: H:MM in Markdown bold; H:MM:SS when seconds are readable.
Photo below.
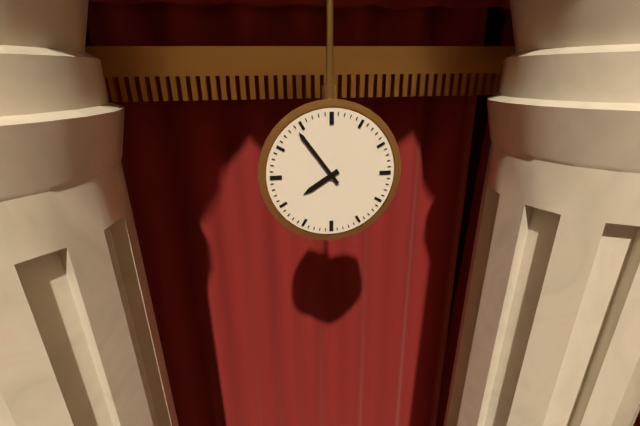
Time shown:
**7:54**
